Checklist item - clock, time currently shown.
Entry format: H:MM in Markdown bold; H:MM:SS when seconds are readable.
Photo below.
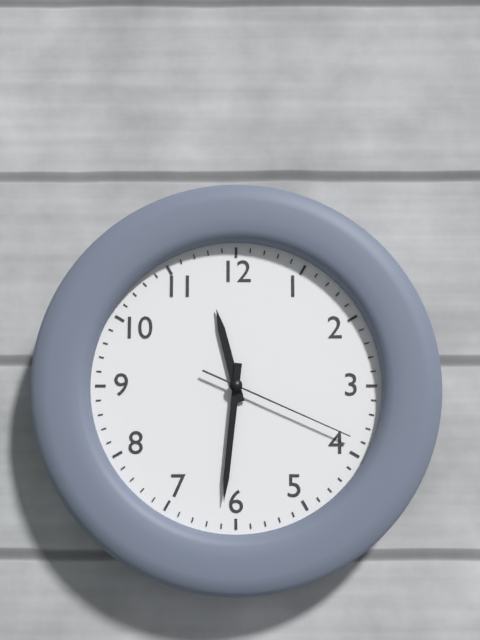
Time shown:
**11:31:19**
